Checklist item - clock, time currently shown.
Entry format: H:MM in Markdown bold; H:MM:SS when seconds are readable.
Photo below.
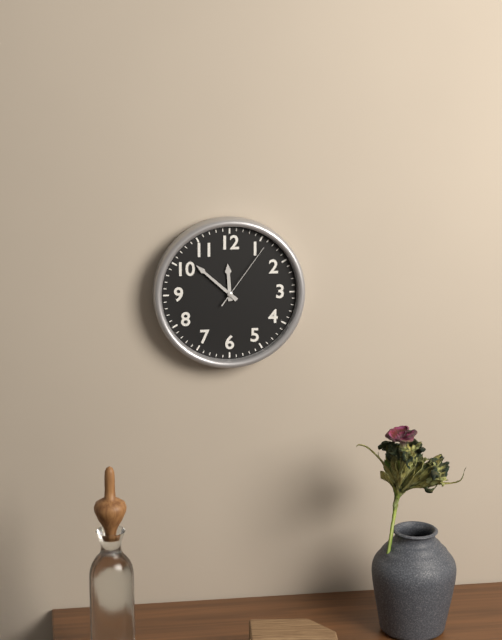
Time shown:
**11:52:06**
